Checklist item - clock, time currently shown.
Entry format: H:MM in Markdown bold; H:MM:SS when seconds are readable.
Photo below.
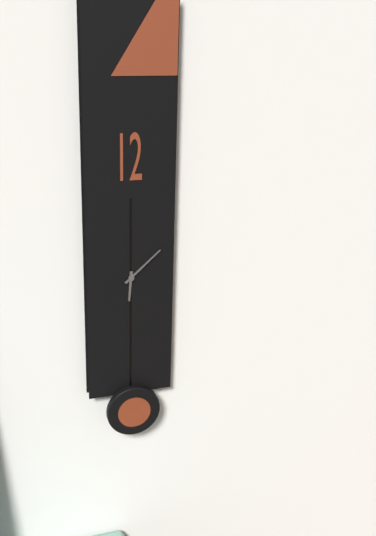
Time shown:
**6:08**
